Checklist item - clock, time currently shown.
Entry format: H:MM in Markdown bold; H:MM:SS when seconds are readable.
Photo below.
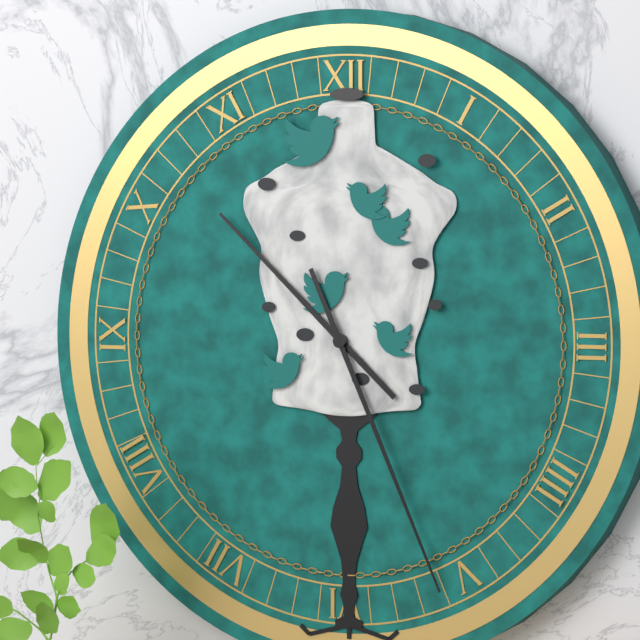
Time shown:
**10:26**
